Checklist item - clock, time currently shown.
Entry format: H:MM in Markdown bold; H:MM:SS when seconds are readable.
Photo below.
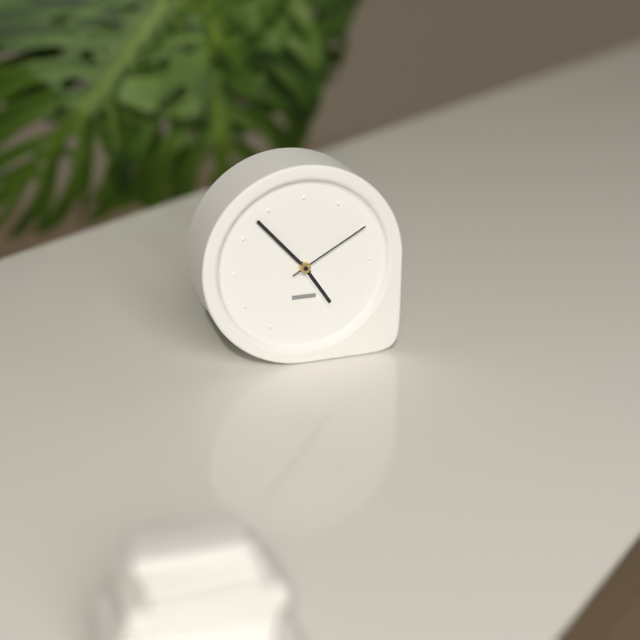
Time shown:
**4:53:10**
